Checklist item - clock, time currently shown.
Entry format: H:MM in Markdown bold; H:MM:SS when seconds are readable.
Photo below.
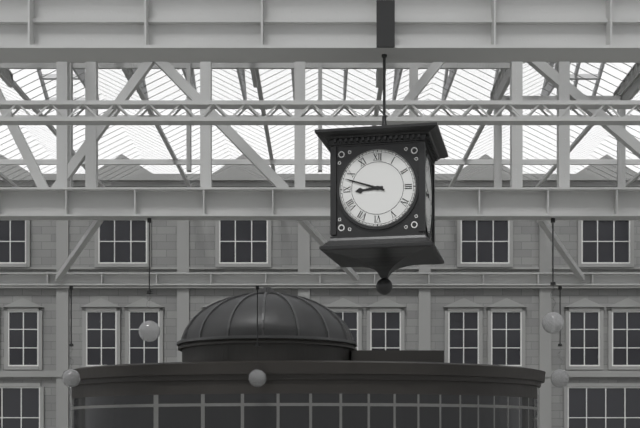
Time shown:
**8:48**
